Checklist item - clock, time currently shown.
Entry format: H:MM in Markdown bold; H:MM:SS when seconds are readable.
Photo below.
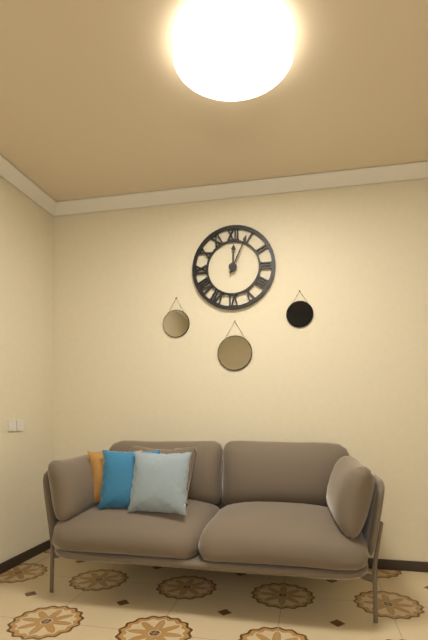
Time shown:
**12:04**
